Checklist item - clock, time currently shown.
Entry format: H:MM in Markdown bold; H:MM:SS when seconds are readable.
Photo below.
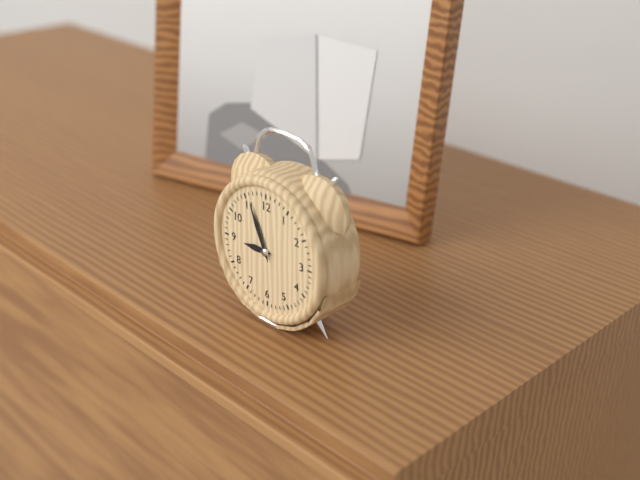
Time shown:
**8:56**
